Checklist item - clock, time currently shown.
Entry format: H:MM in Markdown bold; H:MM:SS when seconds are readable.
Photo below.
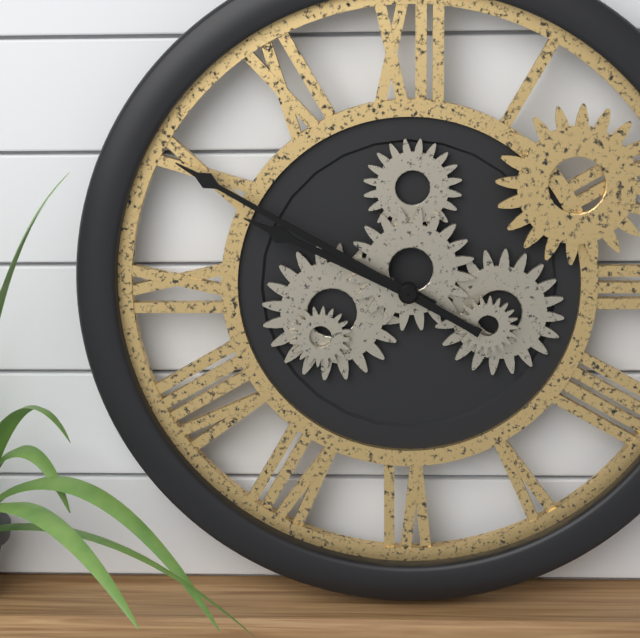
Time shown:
**9:50**
